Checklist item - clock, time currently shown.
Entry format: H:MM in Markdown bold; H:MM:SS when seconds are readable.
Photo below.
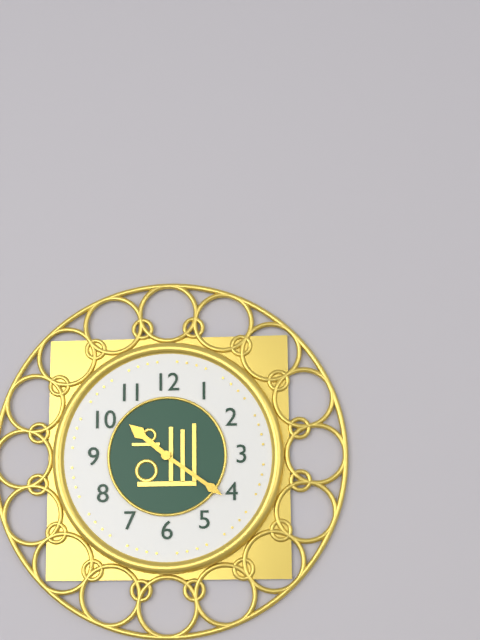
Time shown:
**10:21**
